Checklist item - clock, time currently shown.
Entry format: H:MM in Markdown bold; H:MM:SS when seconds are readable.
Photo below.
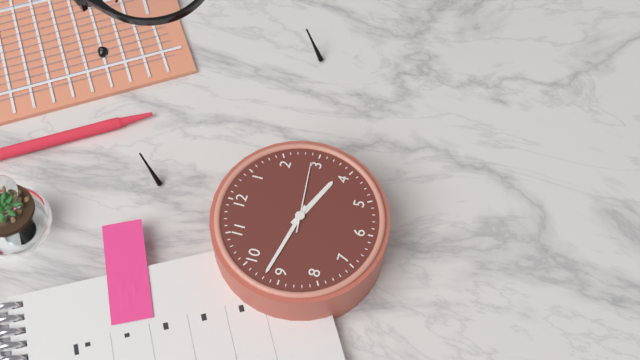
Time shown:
**3:47:14**
